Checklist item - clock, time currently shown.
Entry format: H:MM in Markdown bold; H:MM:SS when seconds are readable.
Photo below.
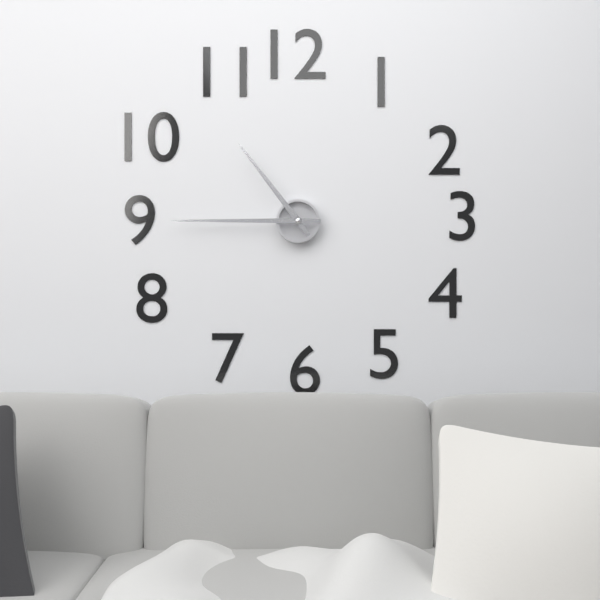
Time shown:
**10:45**
